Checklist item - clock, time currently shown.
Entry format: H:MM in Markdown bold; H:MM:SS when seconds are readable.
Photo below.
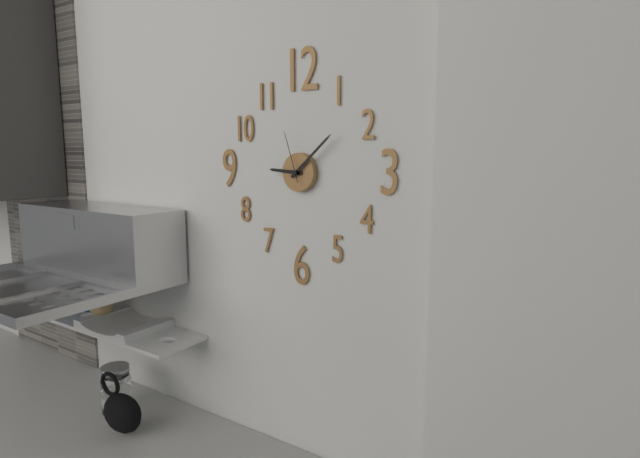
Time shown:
**9:08:57**
